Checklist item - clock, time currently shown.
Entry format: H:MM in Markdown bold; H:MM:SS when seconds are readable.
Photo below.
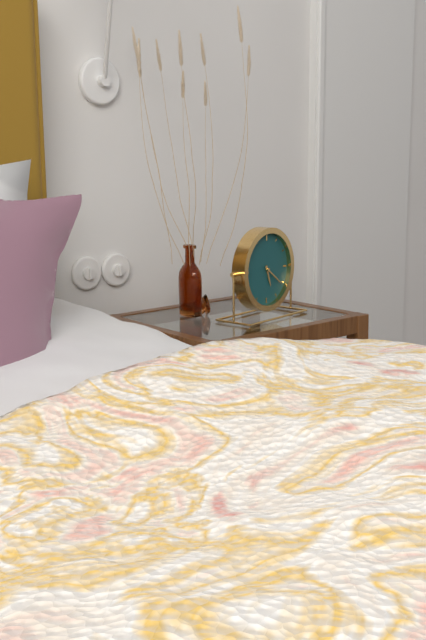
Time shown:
**5:21**
